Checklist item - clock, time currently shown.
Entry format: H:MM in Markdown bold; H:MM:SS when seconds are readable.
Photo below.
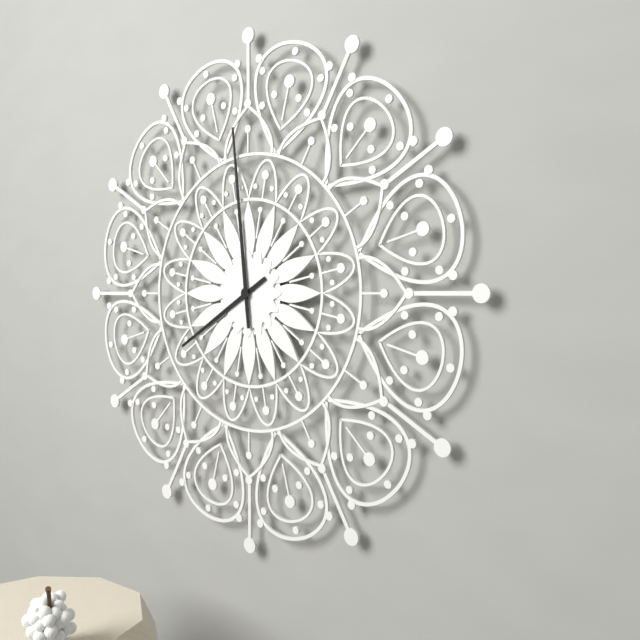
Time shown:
**7:59**
